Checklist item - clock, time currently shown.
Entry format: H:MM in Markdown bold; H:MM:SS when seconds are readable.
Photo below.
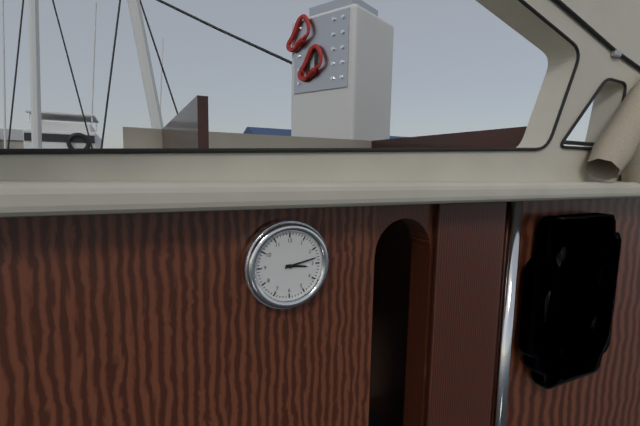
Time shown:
**3:13**
